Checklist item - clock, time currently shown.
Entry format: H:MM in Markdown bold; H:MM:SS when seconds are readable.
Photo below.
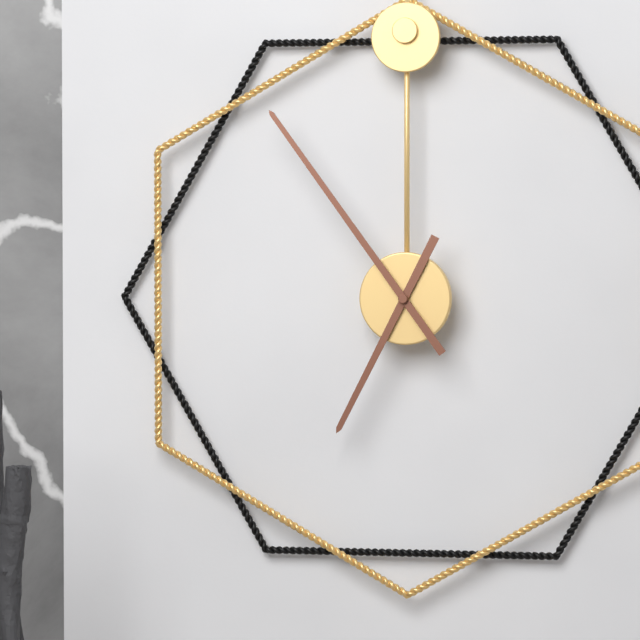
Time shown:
**6:54**
